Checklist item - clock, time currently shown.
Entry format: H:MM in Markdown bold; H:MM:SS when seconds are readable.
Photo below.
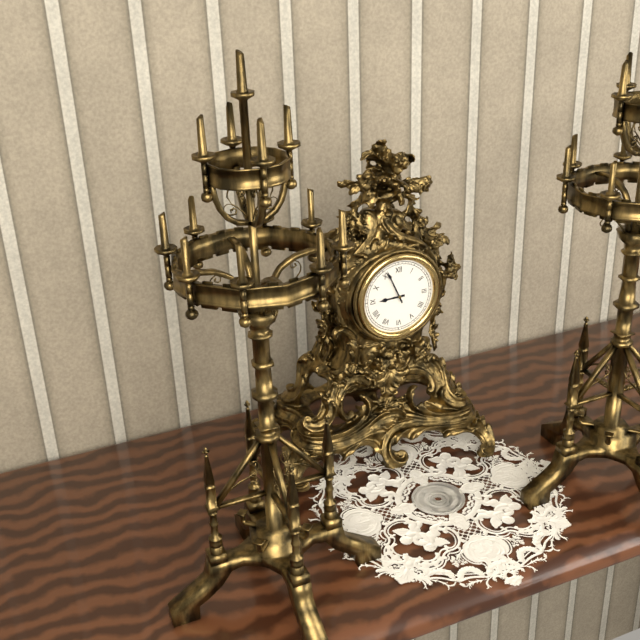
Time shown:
**8:56**
